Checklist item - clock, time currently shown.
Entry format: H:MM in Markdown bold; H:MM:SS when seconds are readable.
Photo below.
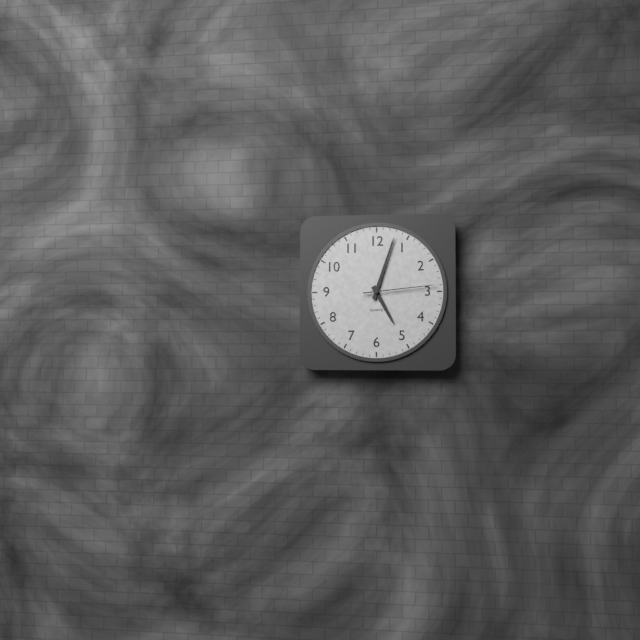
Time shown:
**5:03:14**
